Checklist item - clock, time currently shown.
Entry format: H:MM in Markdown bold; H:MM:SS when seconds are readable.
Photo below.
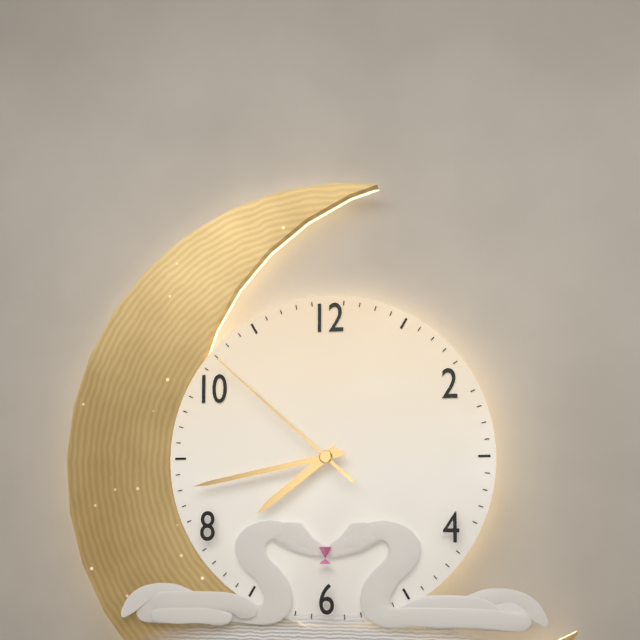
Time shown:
**7:43:52**
